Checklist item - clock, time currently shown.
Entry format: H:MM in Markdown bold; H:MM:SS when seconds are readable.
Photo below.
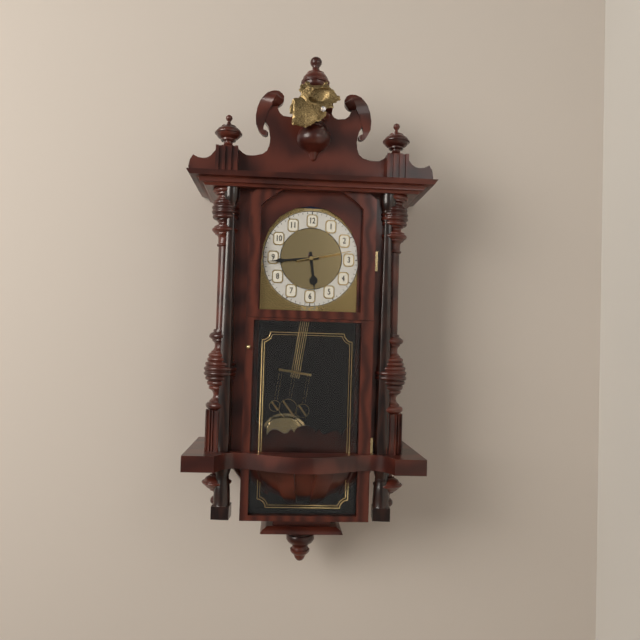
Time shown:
**5:44:13**
